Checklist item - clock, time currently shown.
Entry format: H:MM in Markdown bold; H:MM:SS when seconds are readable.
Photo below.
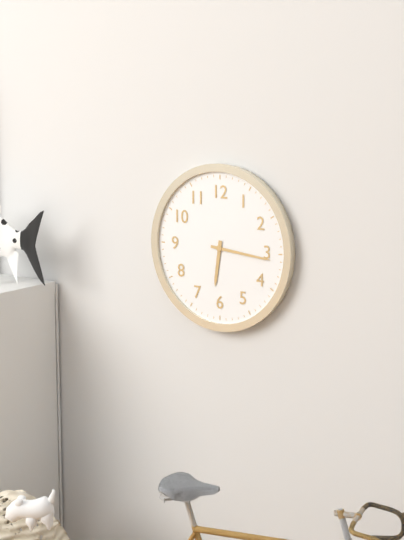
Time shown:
**6:16**
